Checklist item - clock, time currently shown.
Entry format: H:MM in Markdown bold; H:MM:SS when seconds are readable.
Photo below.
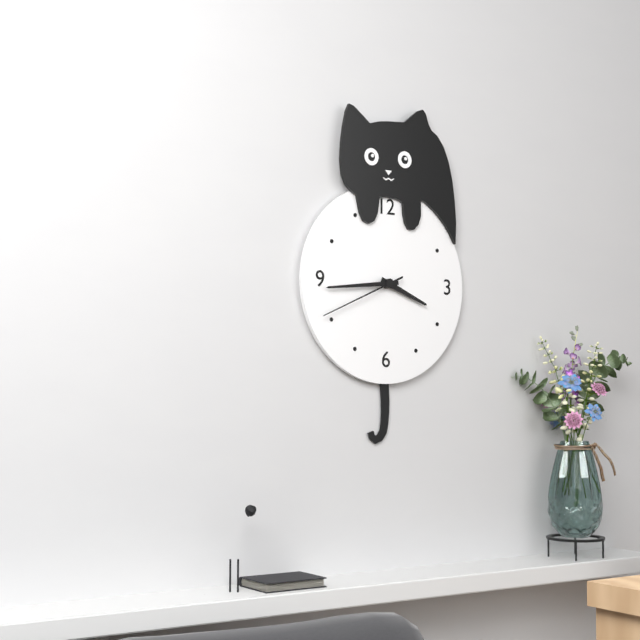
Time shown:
**3:44:41**
